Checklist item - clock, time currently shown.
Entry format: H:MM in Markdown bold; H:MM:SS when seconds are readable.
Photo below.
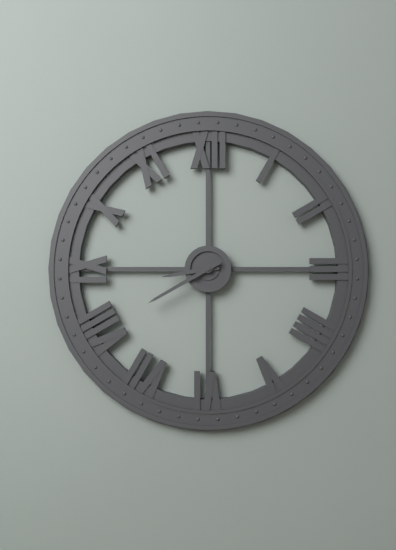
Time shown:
**8:40**
